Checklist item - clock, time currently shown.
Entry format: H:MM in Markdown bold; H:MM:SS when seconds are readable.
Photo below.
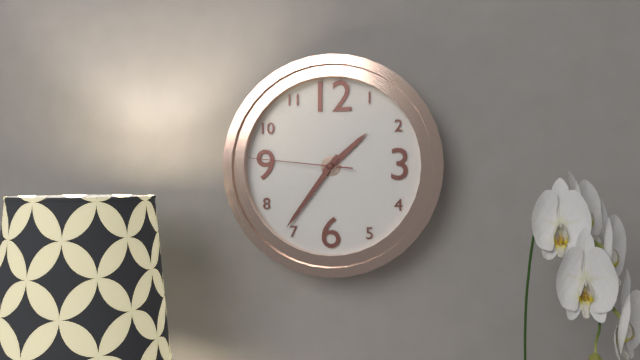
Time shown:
**1:36:46**
